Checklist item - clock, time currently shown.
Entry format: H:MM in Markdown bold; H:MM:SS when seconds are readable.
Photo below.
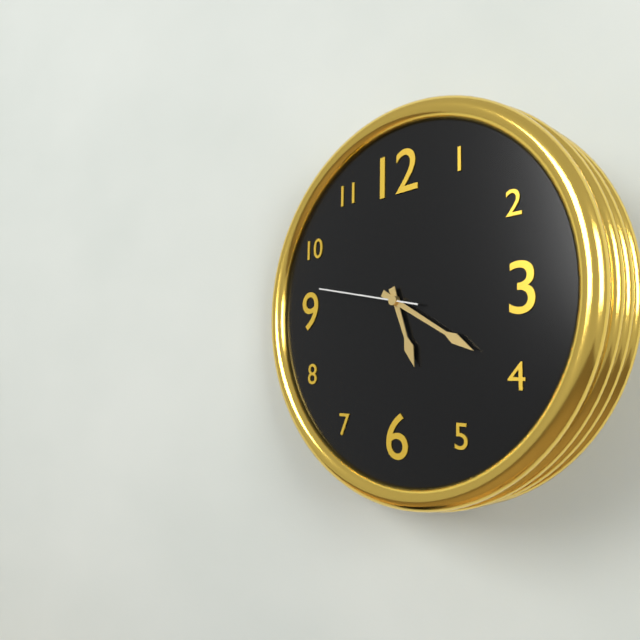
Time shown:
**5:20:47**
